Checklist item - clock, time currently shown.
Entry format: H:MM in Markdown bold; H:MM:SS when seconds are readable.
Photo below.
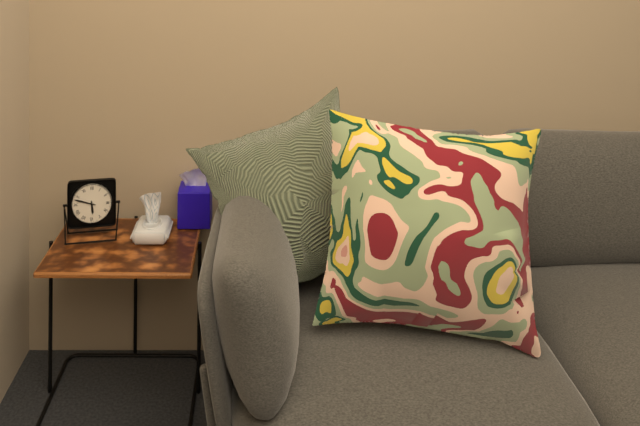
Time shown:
**5:48**
